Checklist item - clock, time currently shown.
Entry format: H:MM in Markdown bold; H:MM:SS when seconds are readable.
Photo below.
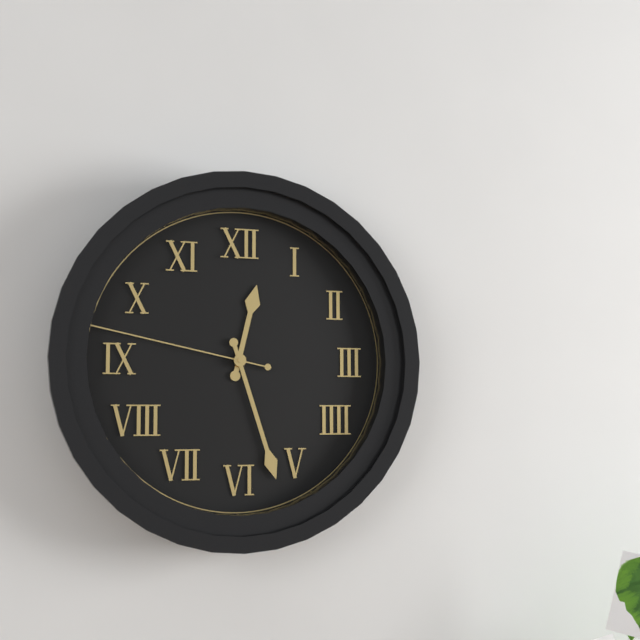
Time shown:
**12:27:47**
